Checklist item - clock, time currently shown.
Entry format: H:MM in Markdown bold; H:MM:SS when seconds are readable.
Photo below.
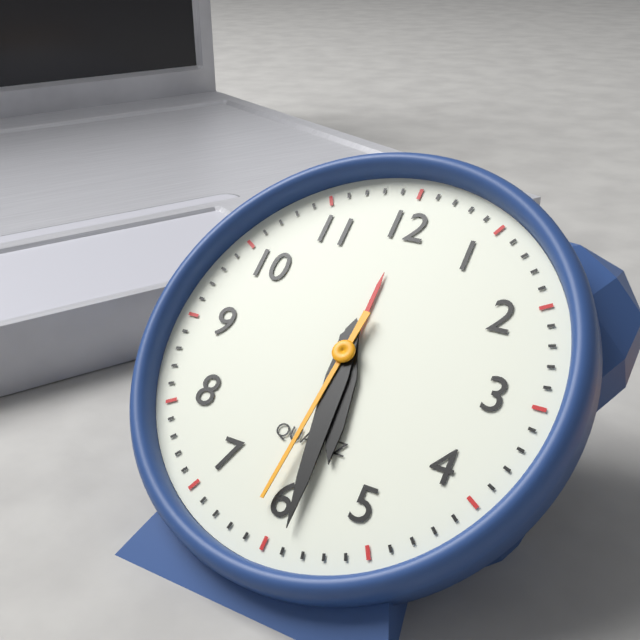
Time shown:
**5:29:31**
